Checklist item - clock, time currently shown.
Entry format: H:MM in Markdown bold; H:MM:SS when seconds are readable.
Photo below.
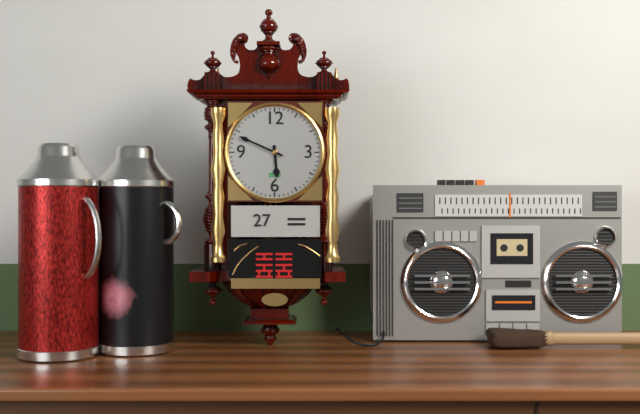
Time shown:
**5:49**
